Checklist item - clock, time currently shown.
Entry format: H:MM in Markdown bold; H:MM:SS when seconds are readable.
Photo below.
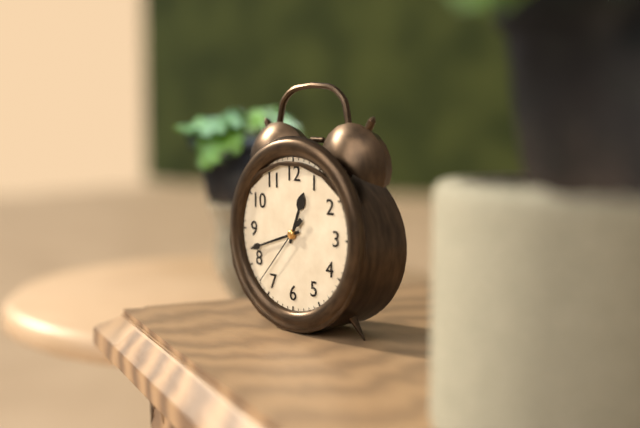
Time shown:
**12:42:37**
